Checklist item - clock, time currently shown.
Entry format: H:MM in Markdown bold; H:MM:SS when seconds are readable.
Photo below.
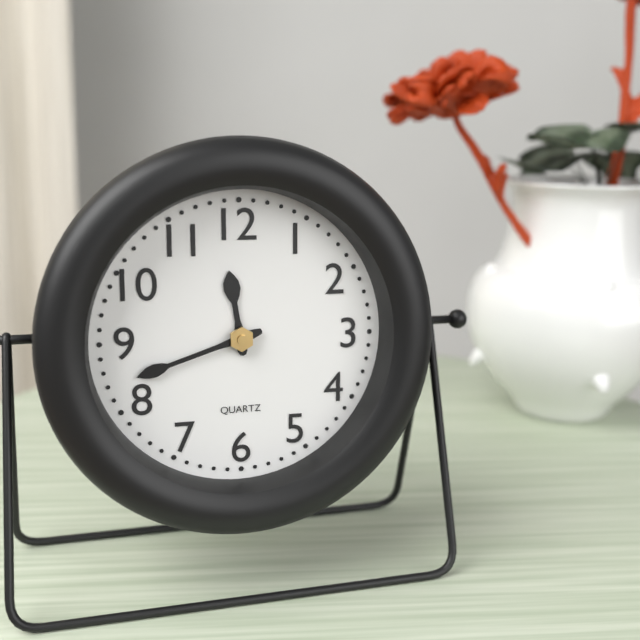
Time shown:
**11:42**
